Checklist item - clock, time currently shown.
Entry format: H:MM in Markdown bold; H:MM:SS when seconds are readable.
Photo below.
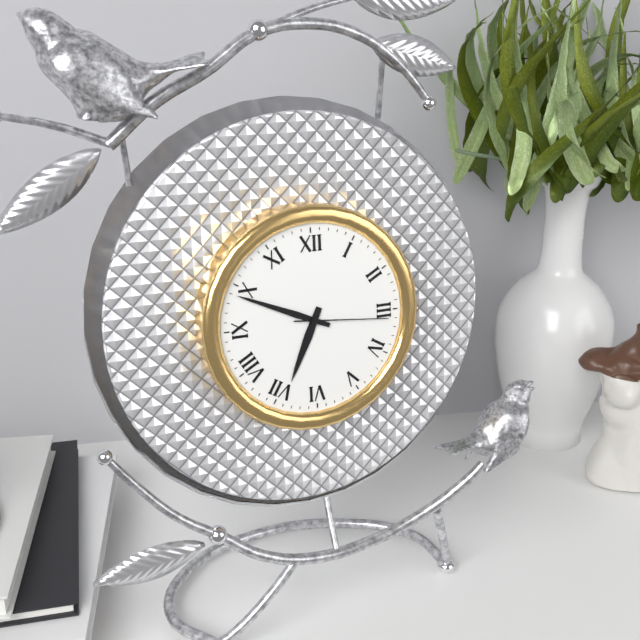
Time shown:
**6:49:16**
